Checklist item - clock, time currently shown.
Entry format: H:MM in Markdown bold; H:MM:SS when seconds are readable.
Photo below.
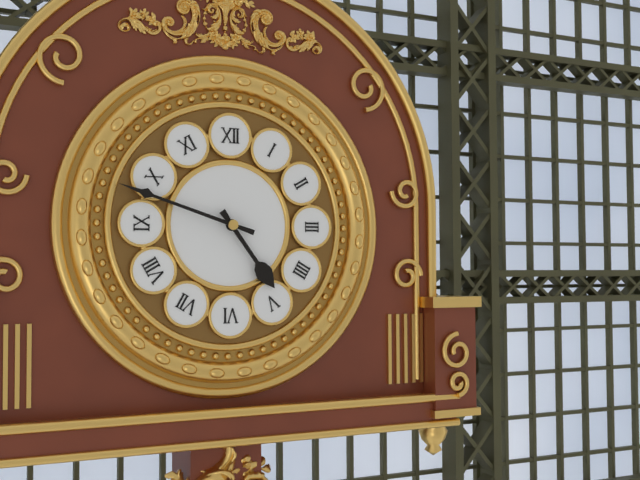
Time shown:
**4:48**
